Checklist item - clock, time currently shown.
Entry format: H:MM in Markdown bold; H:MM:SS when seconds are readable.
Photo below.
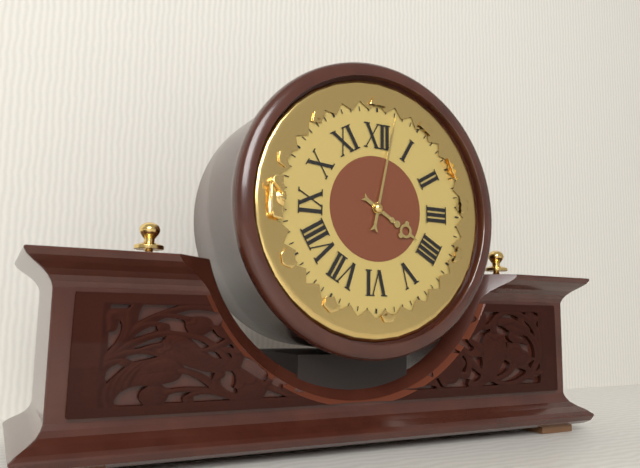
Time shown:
**4:02**
